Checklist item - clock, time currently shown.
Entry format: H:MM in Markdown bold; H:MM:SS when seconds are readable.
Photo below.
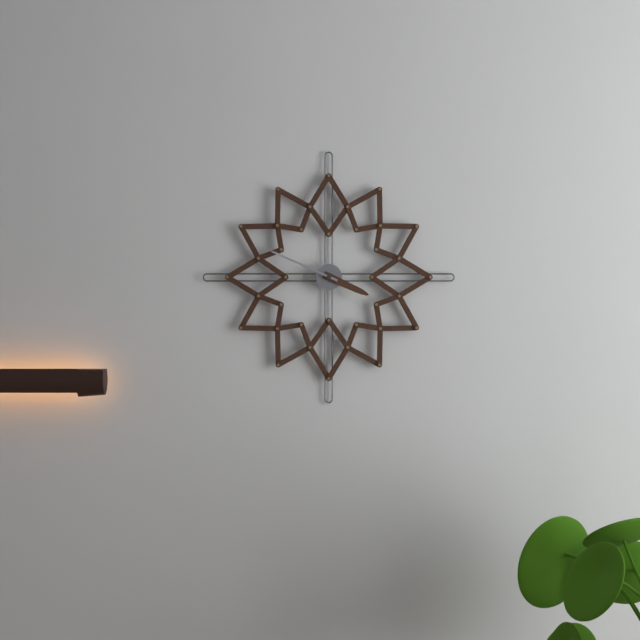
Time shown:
**3:49**
